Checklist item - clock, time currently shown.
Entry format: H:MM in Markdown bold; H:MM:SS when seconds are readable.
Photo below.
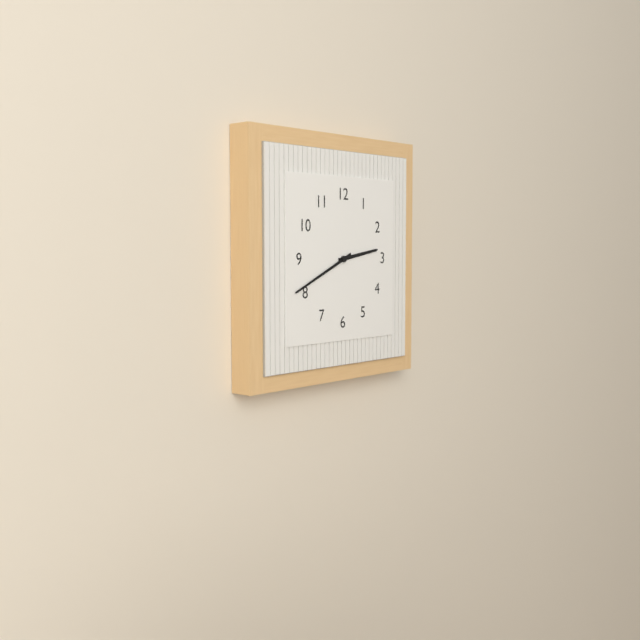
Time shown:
**2:41**
